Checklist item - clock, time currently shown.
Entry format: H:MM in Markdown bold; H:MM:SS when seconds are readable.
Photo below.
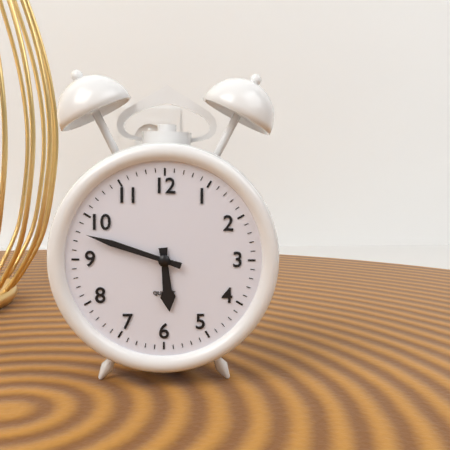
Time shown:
**5:48**
